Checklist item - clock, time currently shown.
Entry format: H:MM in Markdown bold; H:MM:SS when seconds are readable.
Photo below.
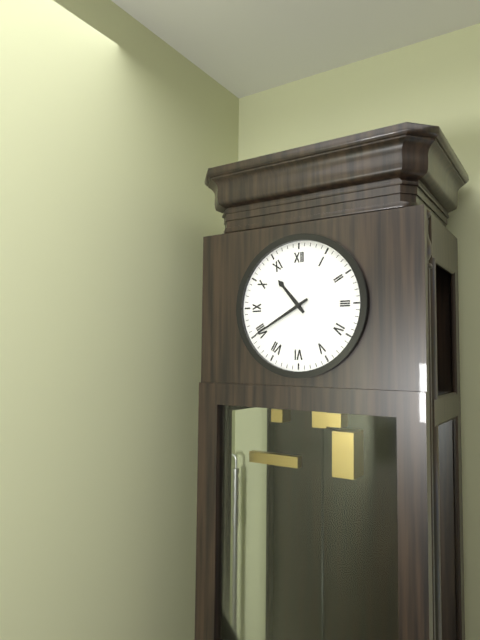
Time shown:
**10:40**
